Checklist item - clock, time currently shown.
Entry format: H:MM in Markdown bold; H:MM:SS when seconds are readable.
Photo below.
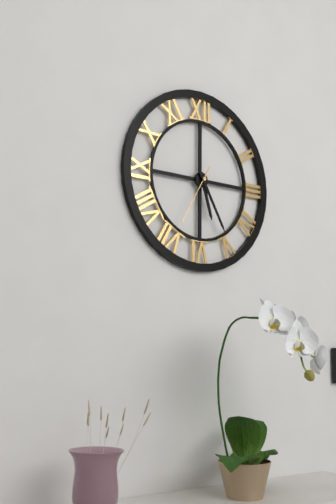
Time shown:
**5:25:35**
